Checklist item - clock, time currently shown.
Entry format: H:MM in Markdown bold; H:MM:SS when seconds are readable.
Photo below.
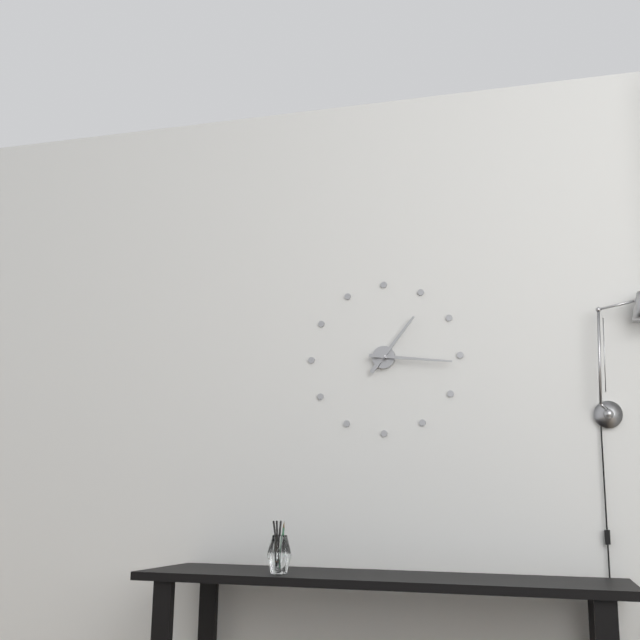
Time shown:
**1:16**
